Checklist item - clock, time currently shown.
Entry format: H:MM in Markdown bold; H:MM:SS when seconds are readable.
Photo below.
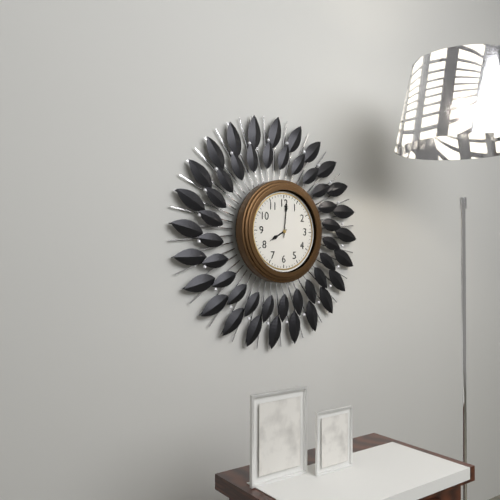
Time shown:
**8:01**
